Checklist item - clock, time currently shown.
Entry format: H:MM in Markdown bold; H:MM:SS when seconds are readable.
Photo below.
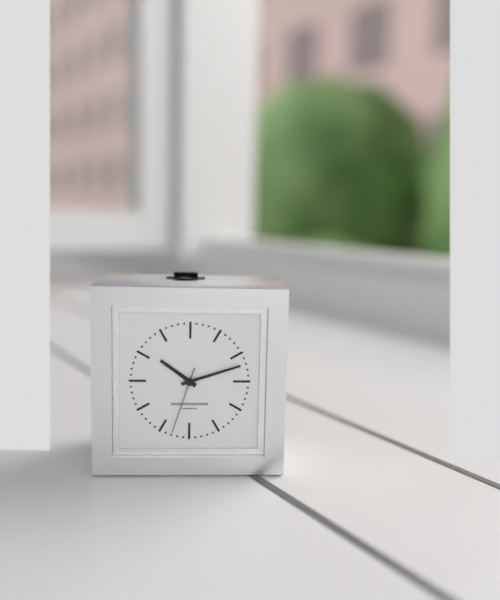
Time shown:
**10:12:33**
